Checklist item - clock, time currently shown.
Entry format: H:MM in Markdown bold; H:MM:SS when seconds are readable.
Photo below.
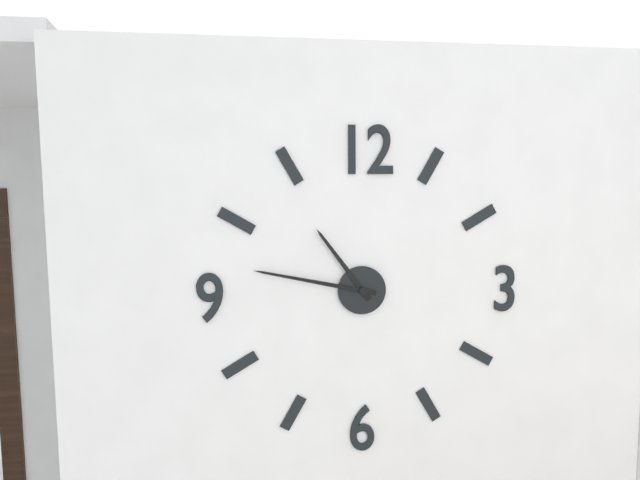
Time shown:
**10:47**
